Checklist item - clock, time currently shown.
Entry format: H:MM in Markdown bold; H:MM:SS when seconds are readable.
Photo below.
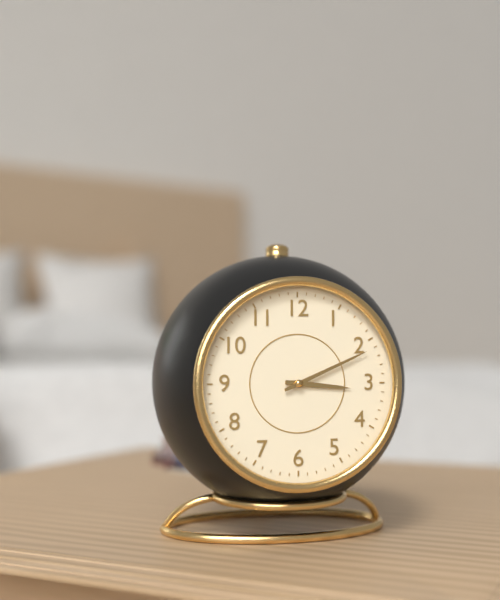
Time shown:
**3:11**
